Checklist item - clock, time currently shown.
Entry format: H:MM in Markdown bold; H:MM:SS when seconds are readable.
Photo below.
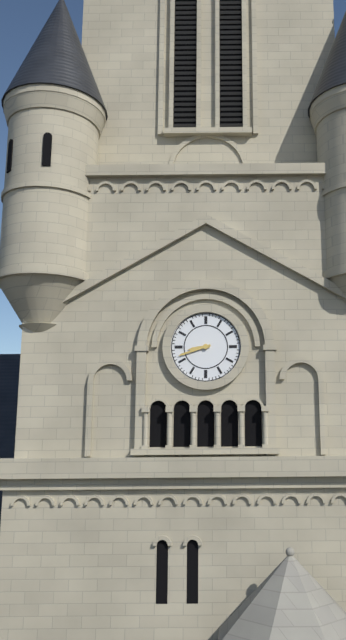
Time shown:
**8:42**
